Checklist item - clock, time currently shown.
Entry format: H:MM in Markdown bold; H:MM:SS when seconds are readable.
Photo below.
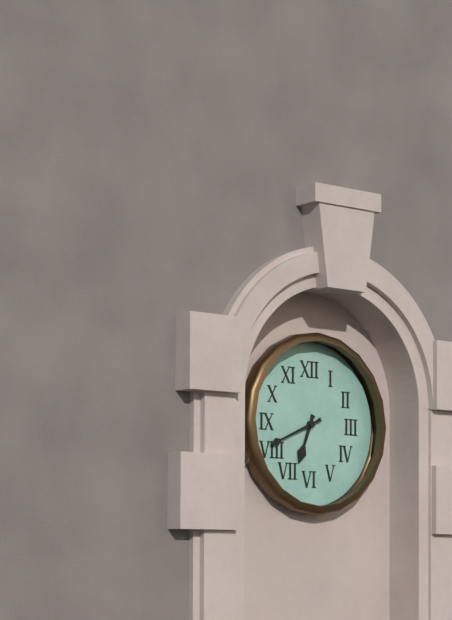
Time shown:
**6:41**
